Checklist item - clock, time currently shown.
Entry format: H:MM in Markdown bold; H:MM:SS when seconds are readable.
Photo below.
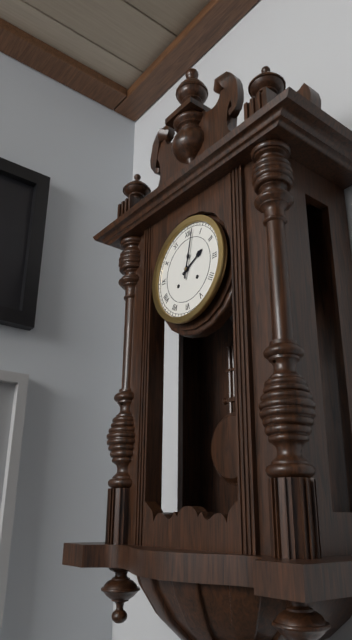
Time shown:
**2:02**
